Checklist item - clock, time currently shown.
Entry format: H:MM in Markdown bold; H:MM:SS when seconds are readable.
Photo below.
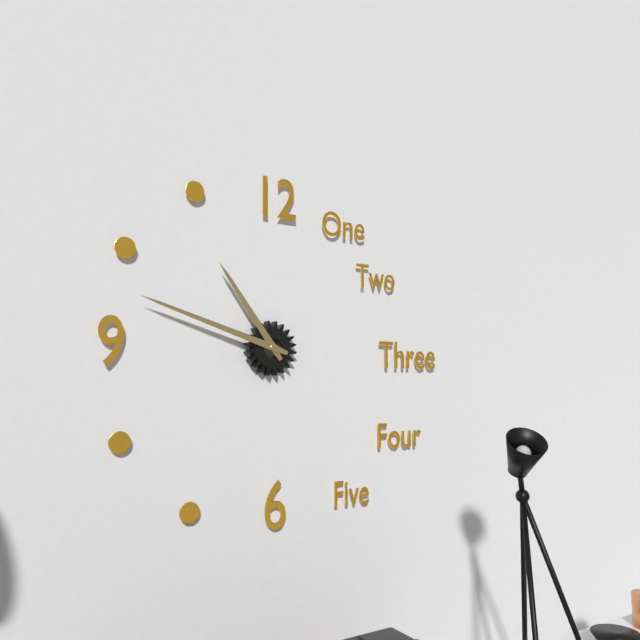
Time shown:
**10:48**
